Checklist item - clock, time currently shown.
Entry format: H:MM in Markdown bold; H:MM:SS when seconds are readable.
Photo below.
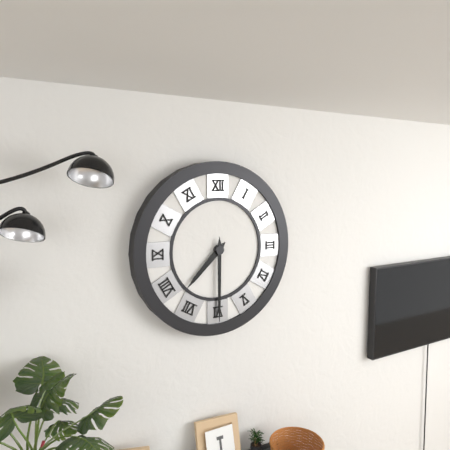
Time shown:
**7:30**
